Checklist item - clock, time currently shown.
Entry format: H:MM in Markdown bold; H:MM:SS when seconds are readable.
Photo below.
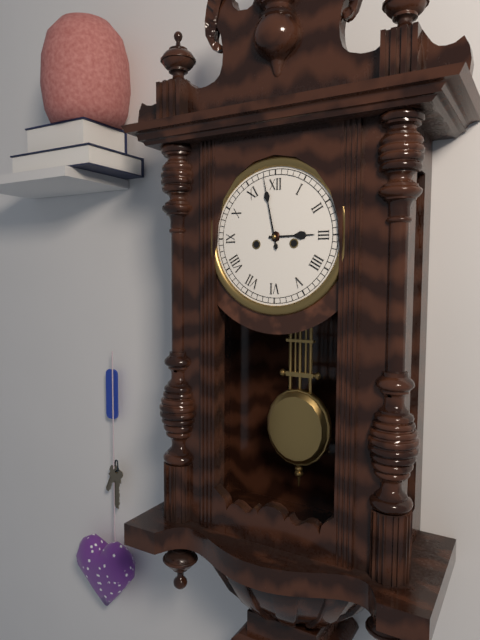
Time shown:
**2:58**
